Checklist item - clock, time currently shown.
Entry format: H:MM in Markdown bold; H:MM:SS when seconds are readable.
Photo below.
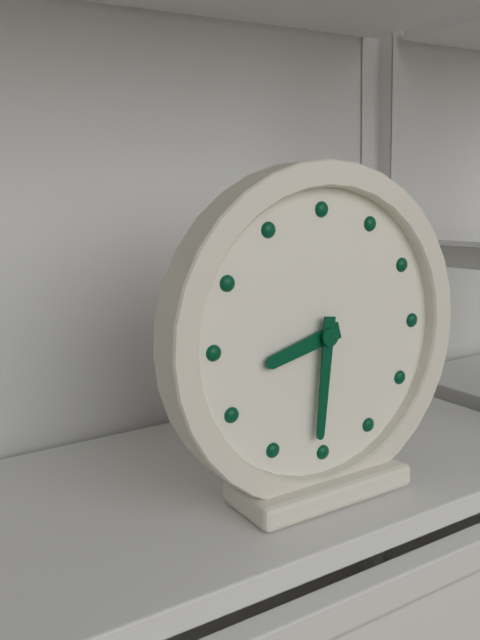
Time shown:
**8:31**
